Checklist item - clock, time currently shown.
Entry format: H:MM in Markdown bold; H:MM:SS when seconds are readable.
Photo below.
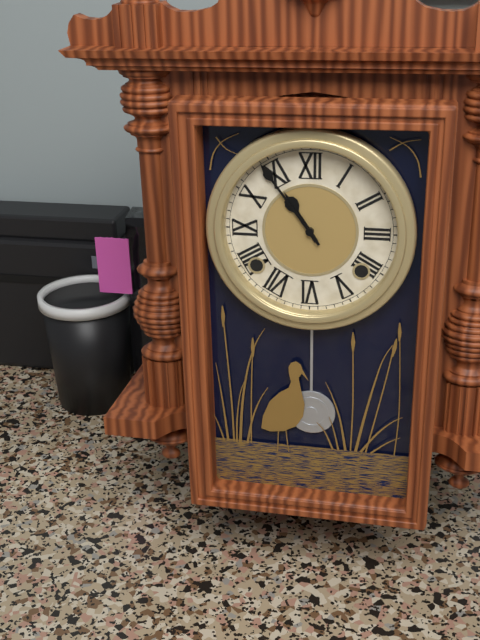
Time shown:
**10:54**
